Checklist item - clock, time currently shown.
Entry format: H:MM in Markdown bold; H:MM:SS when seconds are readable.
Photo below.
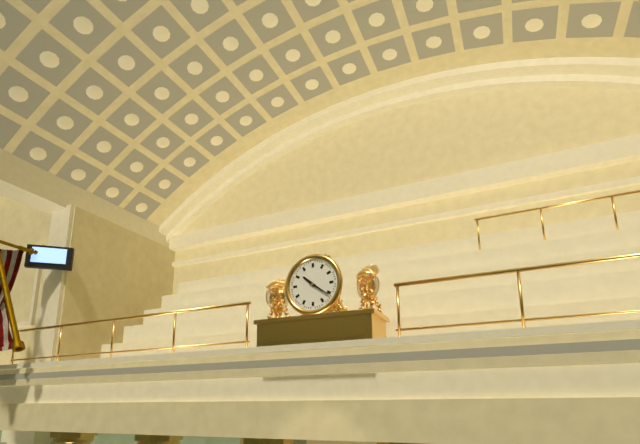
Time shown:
**10:21**
